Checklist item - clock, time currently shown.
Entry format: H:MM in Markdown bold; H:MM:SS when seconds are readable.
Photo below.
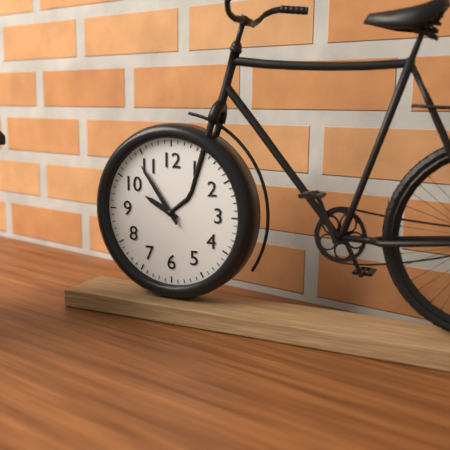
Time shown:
**9:54**
